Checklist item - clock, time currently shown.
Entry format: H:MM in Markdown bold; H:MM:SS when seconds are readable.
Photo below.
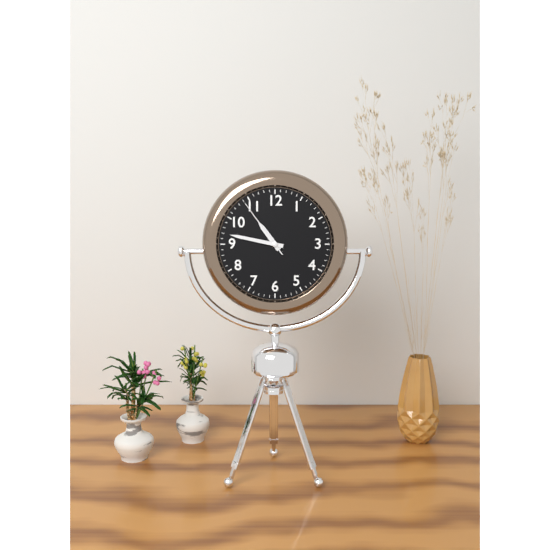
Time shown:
**10:47:54**
